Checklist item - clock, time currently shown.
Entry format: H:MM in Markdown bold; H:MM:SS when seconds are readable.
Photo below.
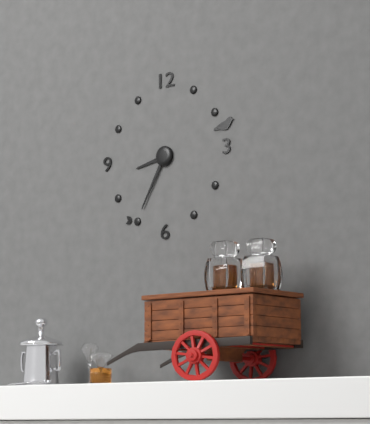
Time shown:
**8:35**
